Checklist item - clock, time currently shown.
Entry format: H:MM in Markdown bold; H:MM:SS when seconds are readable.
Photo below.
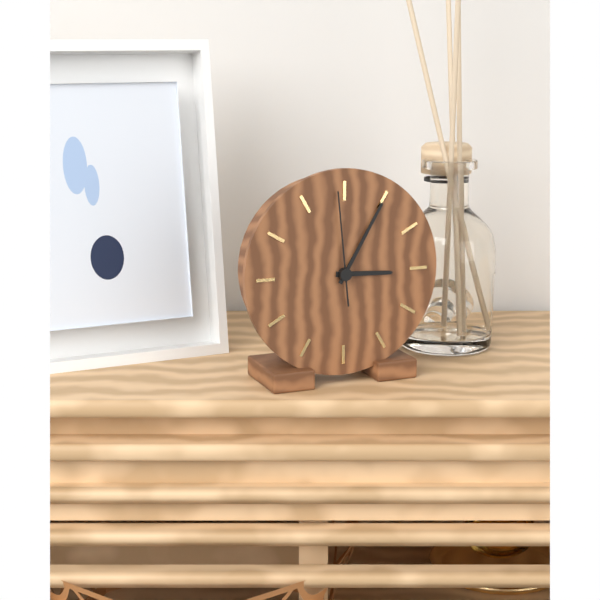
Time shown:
**3:05:59**
